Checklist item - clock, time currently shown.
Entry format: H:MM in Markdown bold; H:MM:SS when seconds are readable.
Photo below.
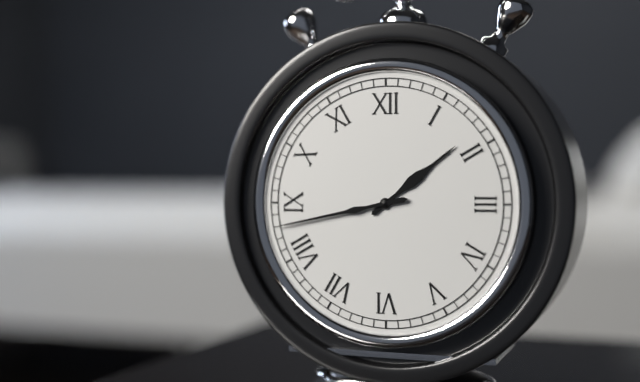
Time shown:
**1:43**
